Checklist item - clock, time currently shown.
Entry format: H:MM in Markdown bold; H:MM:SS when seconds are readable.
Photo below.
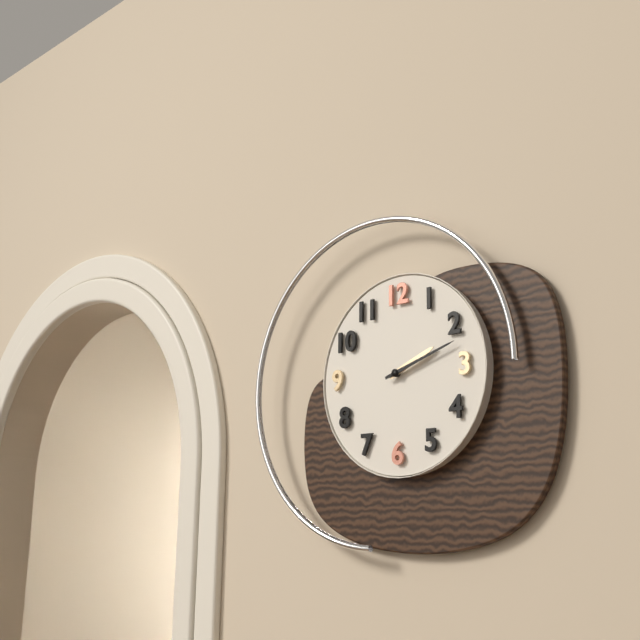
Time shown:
**2:12**
